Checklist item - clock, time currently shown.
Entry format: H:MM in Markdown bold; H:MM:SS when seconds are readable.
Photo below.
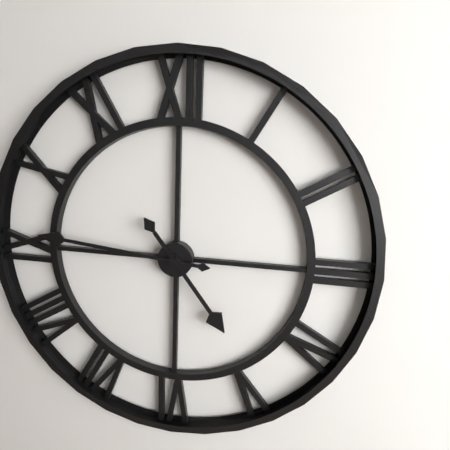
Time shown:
**4:46**
